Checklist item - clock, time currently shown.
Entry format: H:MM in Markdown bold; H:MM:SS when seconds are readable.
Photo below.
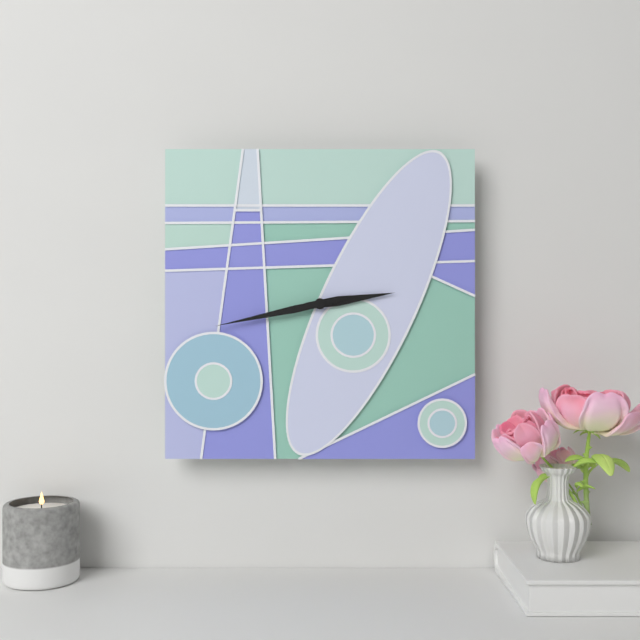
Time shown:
**2:43**
